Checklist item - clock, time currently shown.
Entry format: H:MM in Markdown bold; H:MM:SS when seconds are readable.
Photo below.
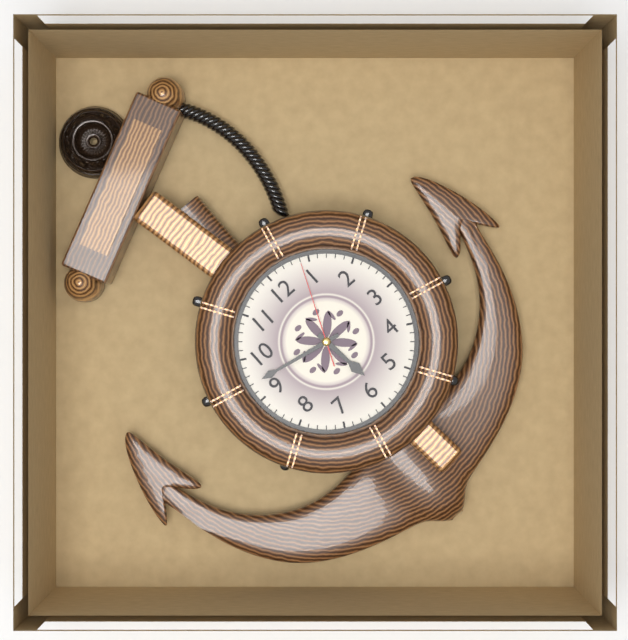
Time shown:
**5:47:04**
